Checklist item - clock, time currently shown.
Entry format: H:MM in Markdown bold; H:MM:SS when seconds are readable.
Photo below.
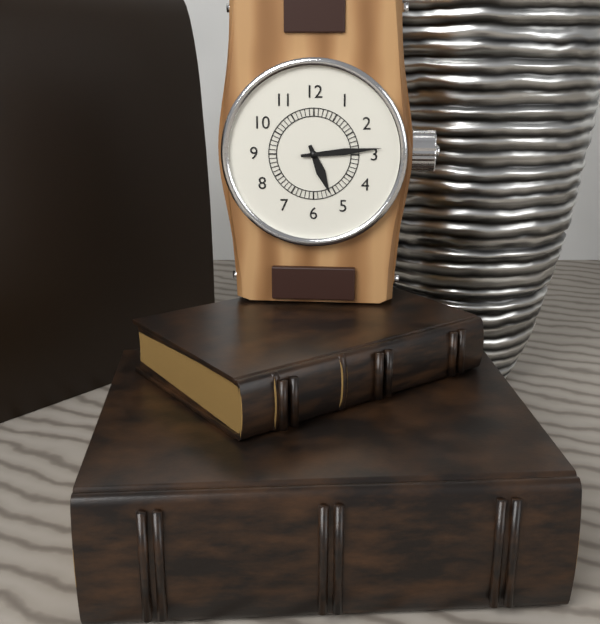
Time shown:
**5:14**
